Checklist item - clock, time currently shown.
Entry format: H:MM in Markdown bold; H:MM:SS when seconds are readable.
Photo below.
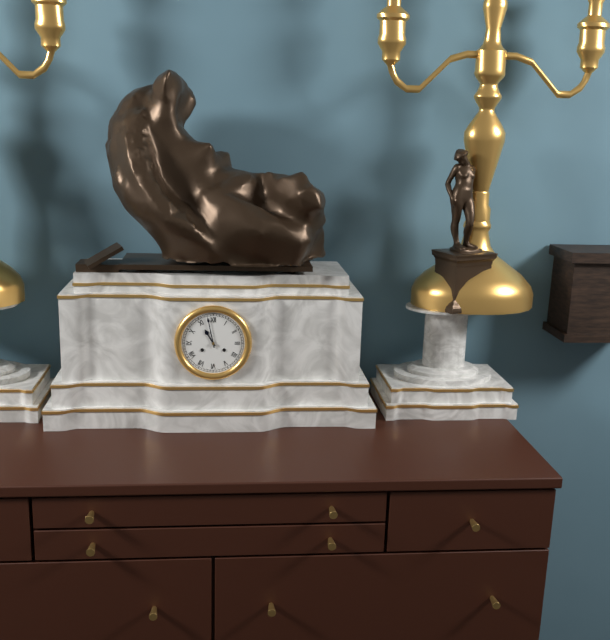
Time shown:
**10:58**
